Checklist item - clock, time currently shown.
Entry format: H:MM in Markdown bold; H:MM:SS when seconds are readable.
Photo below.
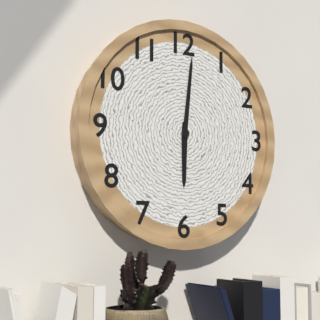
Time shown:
**6:01**
